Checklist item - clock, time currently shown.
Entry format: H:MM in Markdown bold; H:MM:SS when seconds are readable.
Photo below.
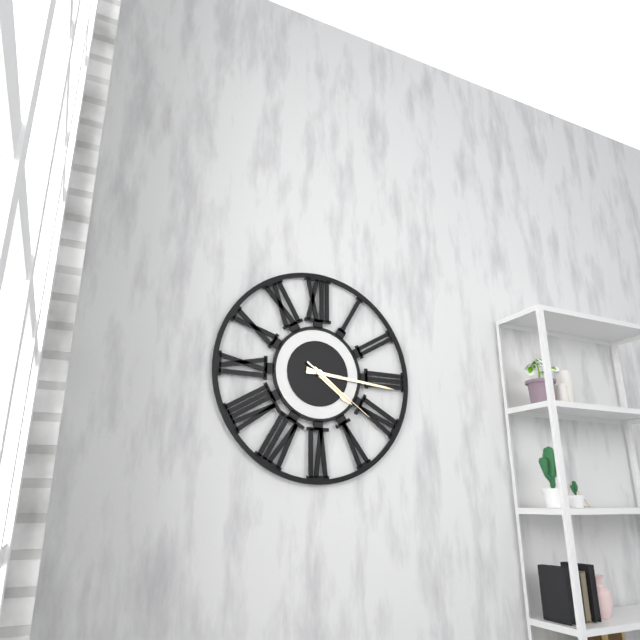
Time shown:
**4:16:21**
